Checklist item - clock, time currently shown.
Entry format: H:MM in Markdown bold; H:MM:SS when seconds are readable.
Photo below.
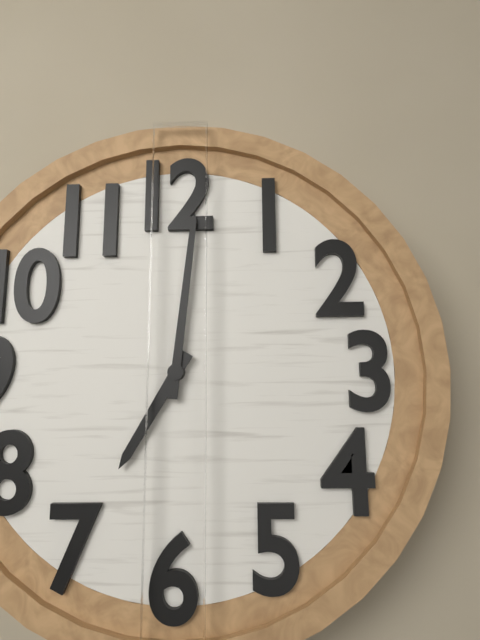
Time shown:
**7:01**
